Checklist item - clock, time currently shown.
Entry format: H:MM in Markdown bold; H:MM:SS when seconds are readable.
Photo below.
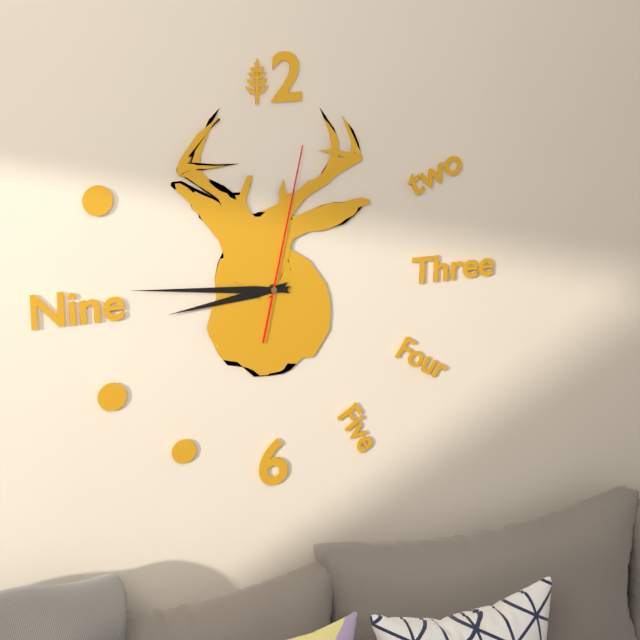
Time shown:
**8:46:02**
